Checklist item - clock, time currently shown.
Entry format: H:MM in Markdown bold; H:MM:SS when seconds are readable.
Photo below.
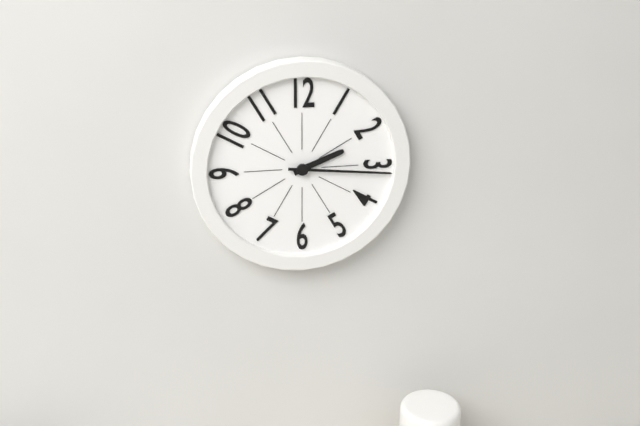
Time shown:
**2:16**
